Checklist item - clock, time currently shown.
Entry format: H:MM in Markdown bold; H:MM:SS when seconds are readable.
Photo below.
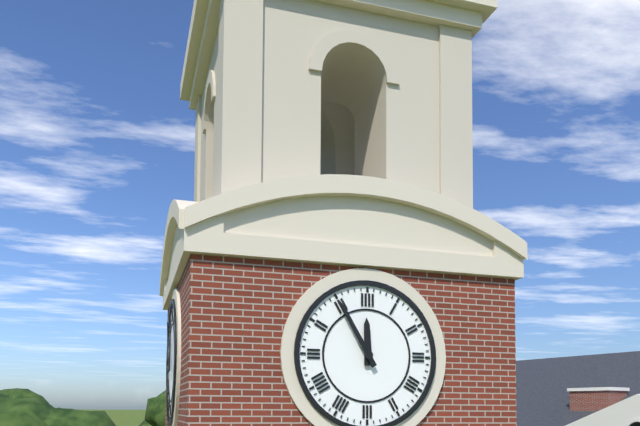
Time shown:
**11:55**
